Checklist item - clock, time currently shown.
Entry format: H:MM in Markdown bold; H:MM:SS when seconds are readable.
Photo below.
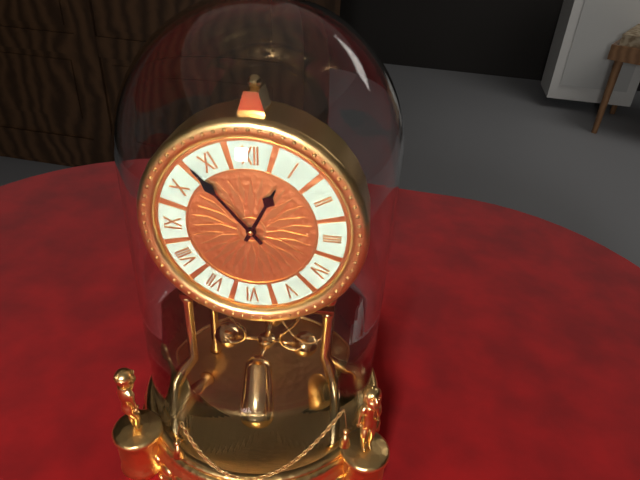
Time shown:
**12:53**
